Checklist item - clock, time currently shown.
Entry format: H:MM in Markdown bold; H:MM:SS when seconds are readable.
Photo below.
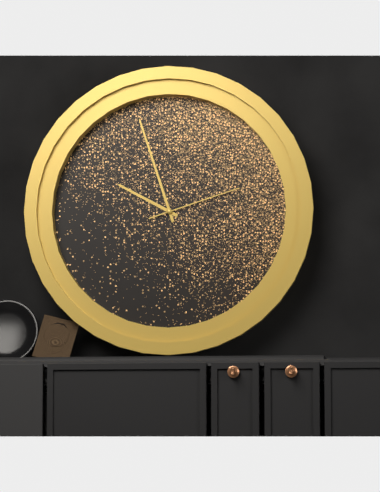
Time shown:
**9:57:12**
